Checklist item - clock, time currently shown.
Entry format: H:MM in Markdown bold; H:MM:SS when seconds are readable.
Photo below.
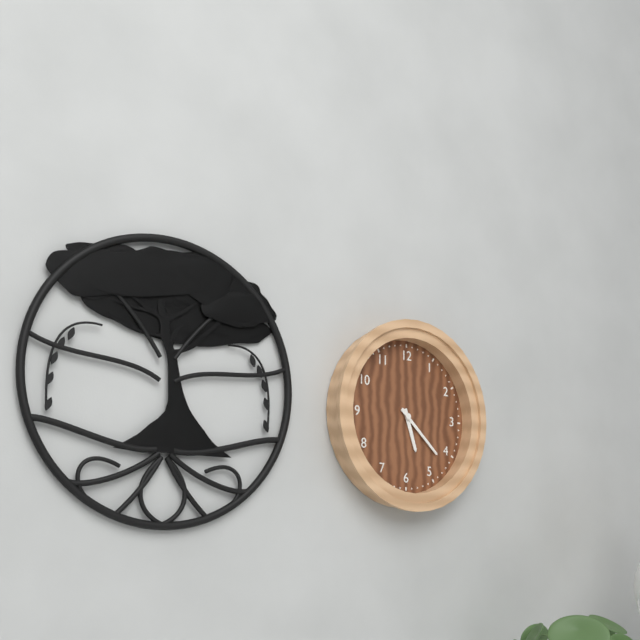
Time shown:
**5:22**
